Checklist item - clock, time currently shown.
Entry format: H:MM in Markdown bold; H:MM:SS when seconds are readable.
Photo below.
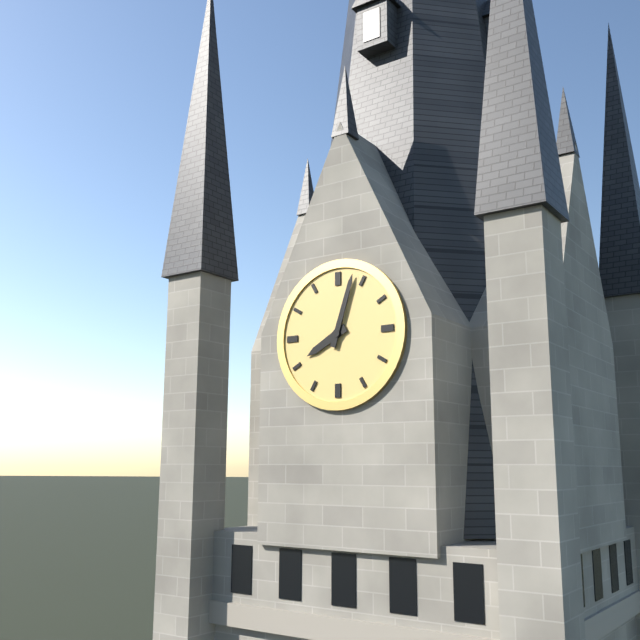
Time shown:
**8:03**
